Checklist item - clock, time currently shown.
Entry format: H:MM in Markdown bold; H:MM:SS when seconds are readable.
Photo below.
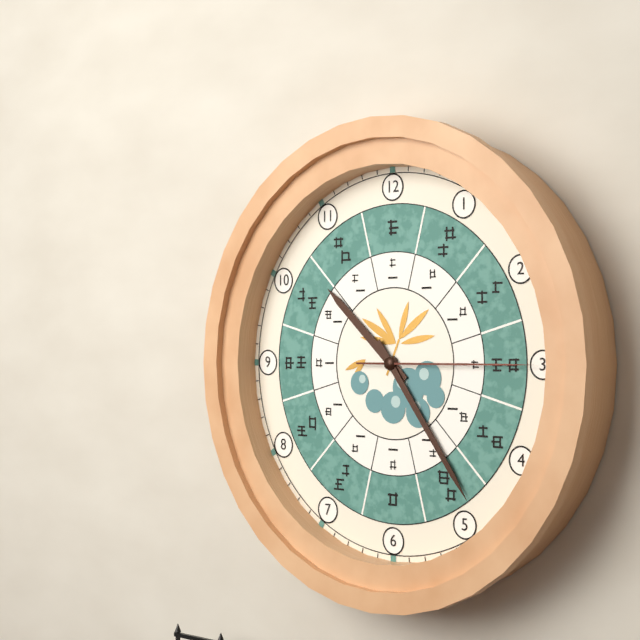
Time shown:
**10:24:15**
